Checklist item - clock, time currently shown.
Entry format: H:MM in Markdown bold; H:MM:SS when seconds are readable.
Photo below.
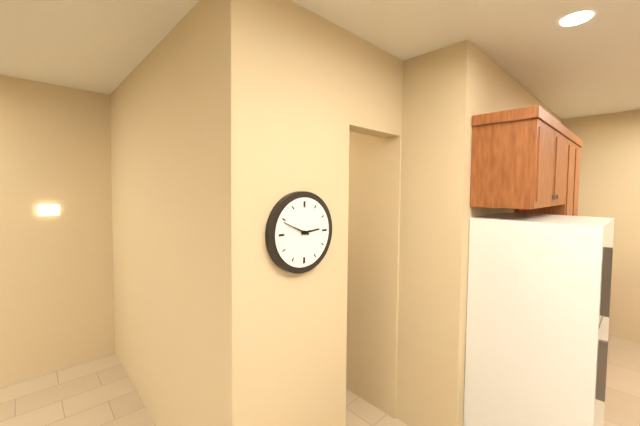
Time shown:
**2:49**
